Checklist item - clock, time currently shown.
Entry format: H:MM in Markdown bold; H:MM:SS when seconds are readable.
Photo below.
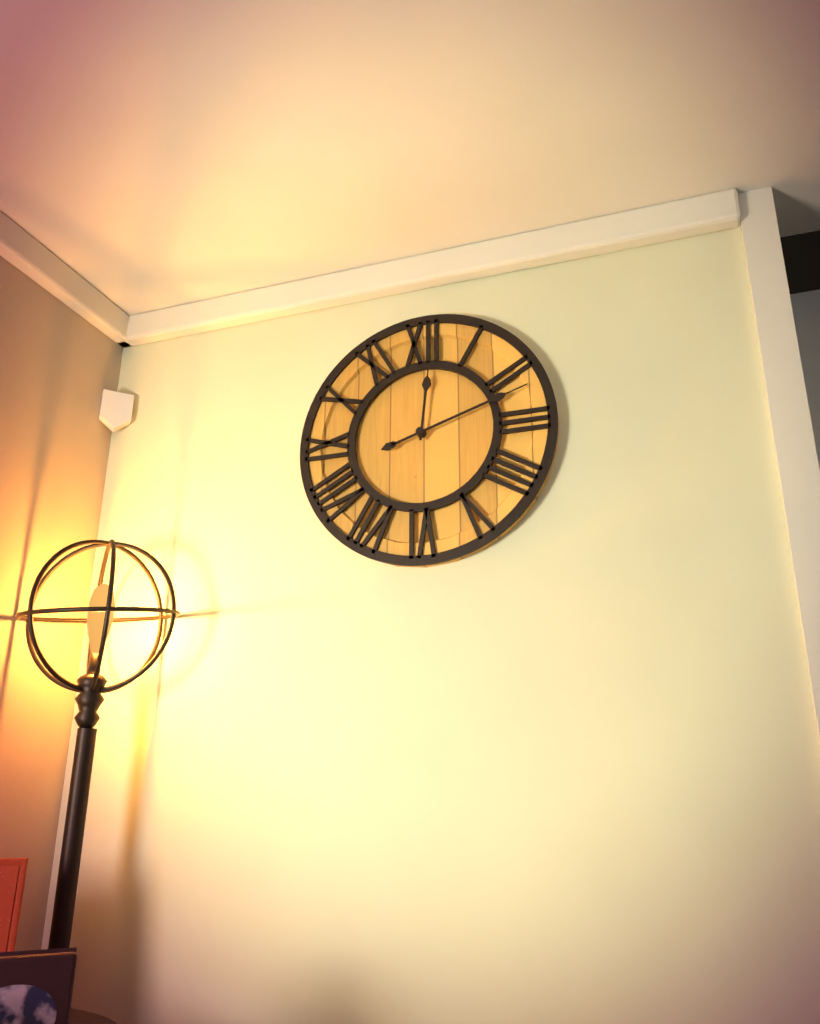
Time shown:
**12:12**
